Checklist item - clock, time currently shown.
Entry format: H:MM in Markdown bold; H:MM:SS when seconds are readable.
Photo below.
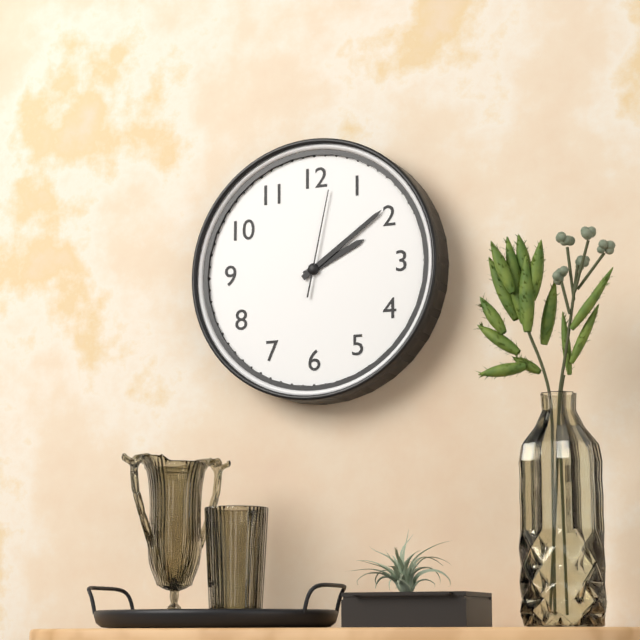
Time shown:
**2:09:02**
